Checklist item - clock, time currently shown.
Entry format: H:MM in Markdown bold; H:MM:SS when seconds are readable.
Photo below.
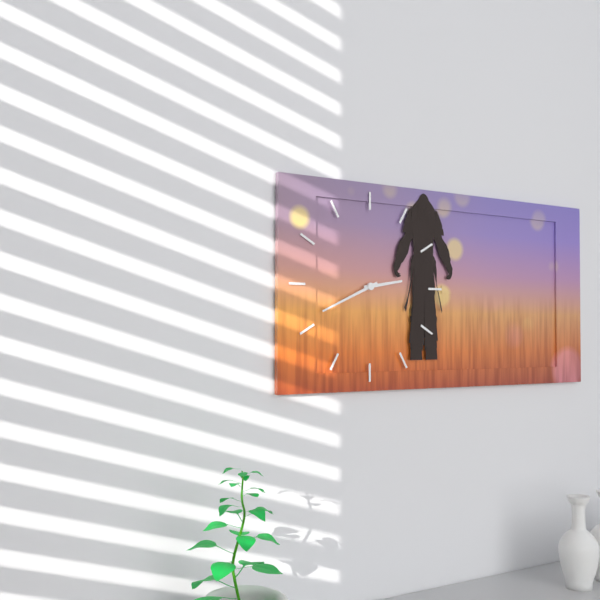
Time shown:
**2:41**
